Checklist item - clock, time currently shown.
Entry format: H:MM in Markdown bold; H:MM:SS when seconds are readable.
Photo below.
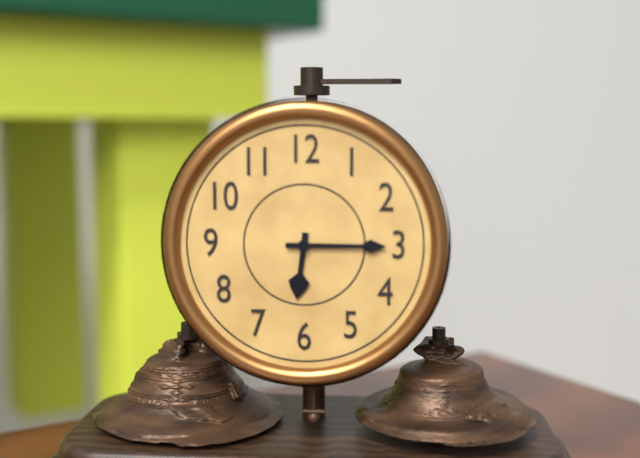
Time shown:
**6:15**
